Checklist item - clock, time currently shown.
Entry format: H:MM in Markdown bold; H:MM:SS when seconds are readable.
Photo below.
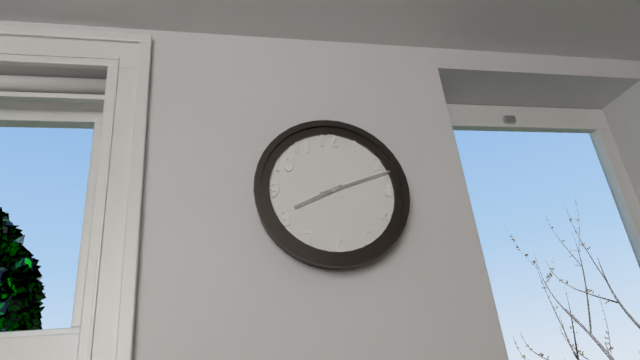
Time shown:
**8:12**
